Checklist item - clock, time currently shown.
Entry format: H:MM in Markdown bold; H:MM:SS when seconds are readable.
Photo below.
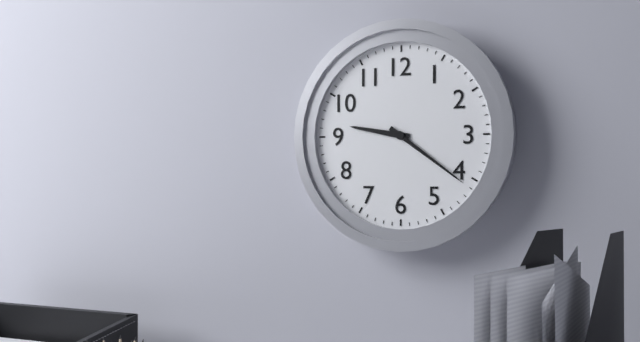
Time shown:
**9:21**
